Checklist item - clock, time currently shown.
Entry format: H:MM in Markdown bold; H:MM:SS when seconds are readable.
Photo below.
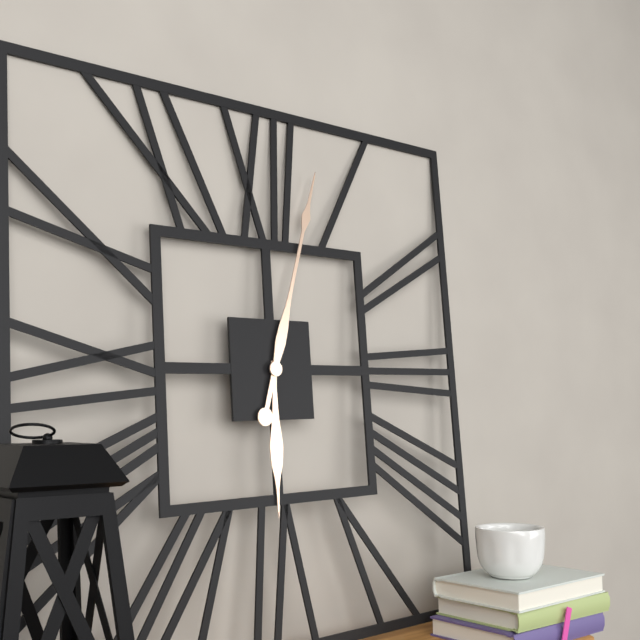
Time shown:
**6:03**
